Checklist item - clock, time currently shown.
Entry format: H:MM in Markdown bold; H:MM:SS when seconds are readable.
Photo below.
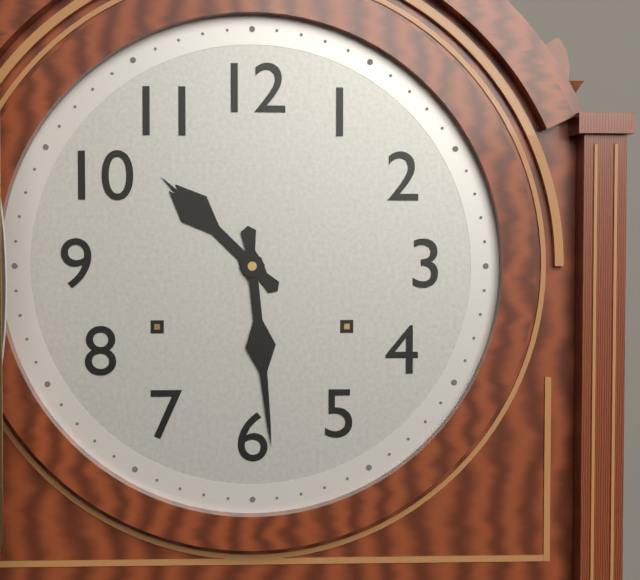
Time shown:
**10:29**
